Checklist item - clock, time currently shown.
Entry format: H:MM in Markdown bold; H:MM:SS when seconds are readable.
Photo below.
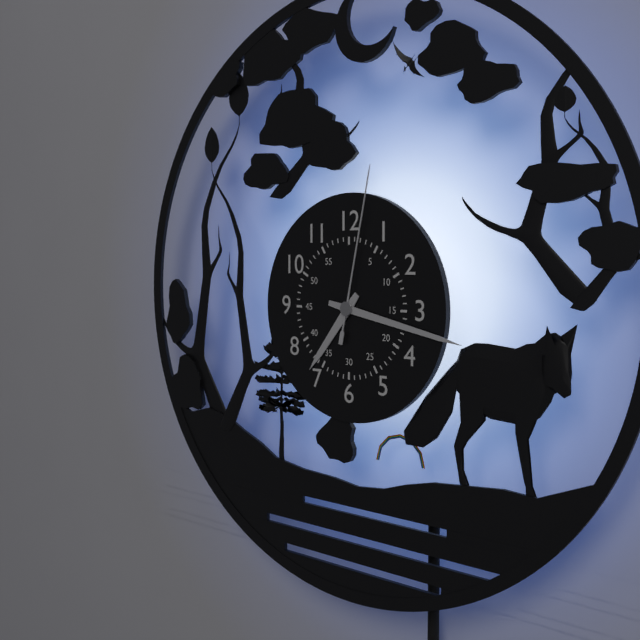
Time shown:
**7:17:02**
